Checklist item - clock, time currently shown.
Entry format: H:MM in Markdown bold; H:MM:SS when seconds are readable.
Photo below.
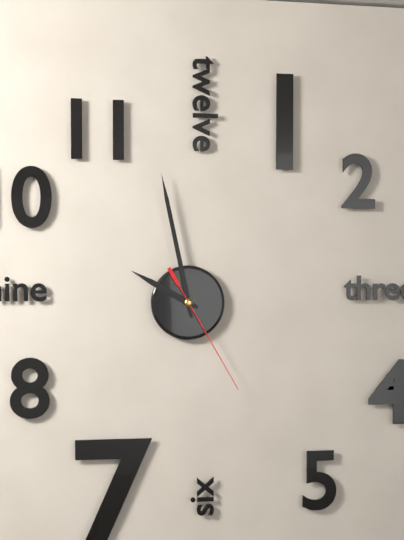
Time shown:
**9:58:25**
